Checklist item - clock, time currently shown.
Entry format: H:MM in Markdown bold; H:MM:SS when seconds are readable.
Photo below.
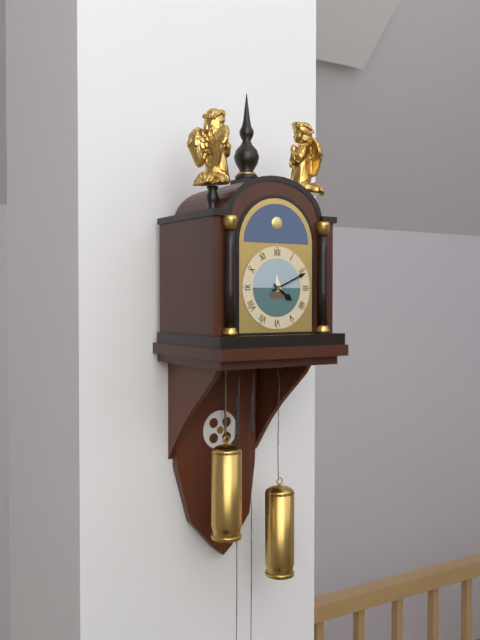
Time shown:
**4:11**
